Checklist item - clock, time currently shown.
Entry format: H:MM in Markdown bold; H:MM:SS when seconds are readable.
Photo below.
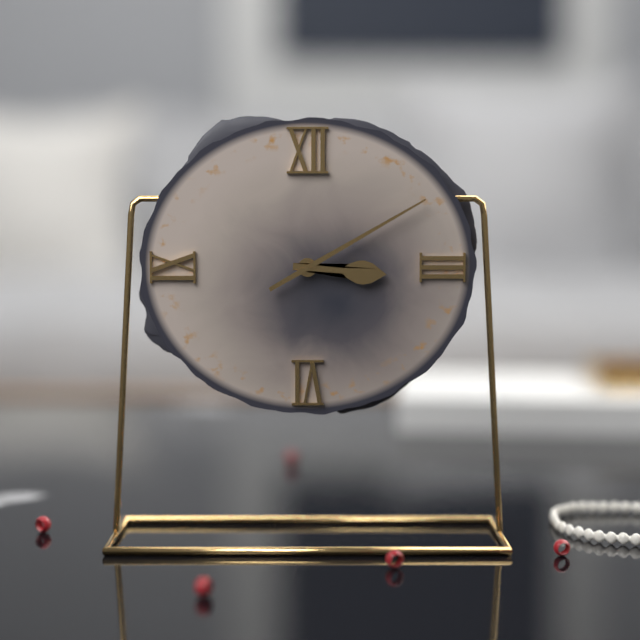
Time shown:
**3:10**
